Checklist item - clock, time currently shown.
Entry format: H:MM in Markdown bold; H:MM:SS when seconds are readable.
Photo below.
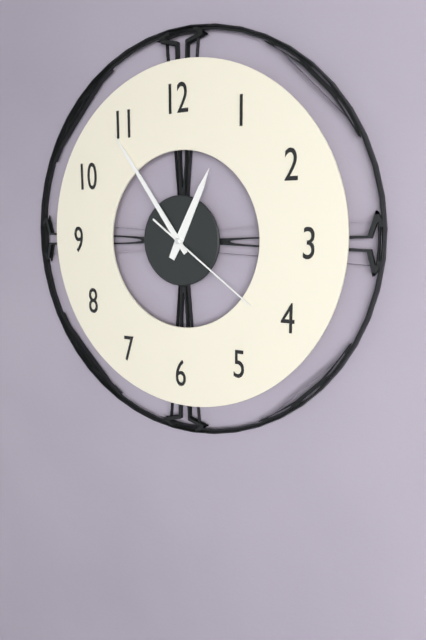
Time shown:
**12:54:21**
